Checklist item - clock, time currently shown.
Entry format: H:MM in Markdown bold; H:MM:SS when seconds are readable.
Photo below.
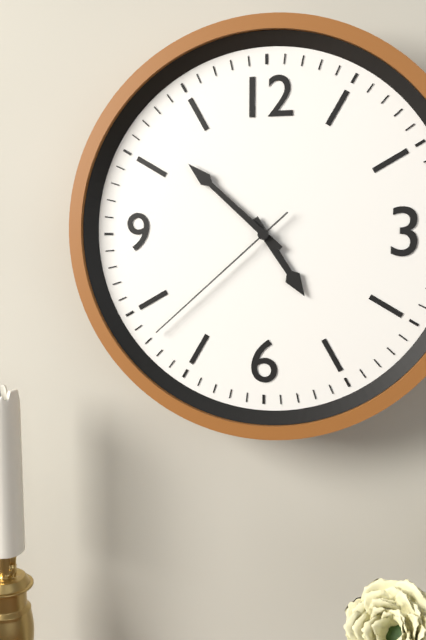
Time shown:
**4:52:38**
